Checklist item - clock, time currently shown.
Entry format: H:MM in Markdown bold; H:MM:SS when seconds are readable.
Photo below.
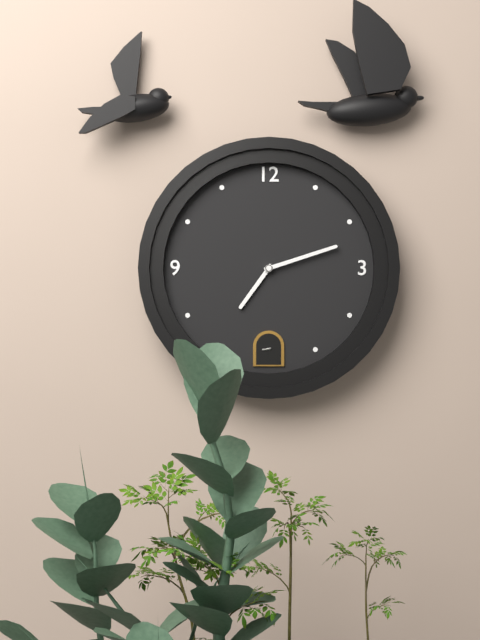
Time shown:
**7:12**
